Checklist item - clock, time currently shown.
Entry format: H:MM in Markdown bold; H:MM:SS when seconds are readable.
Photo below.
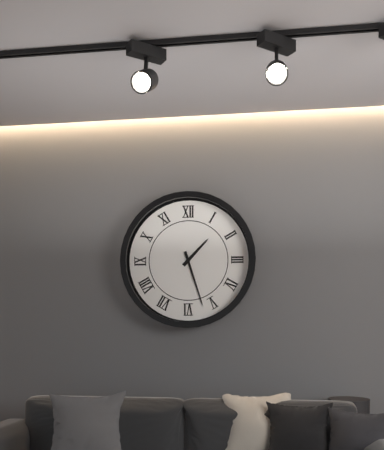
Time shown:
**1:27**
